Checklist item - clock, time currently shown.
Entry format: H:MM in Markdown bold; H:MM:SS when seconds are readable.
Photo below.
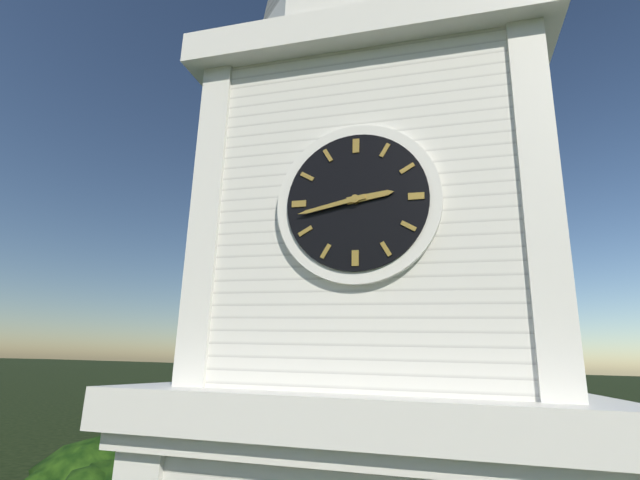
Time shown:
**2:43**
